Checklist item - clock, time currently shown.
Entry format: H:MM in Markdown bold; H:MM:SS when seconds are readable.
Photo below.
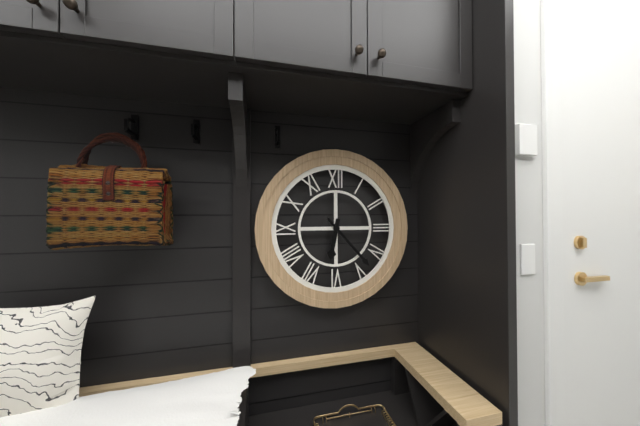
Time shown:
**6:23**
